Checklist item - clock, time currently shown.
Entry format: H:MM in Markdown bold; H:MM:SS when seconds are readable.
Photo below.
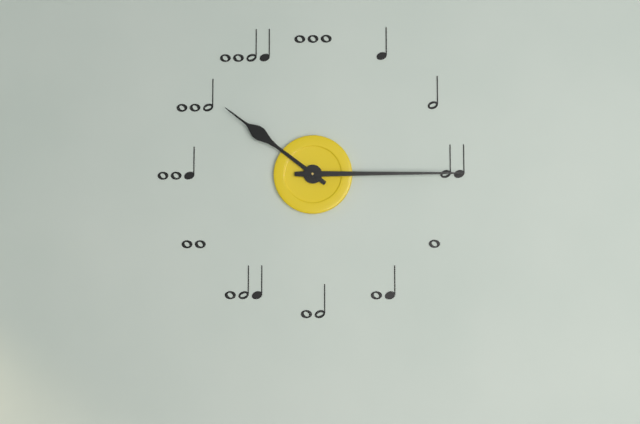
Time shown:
**10:15**
